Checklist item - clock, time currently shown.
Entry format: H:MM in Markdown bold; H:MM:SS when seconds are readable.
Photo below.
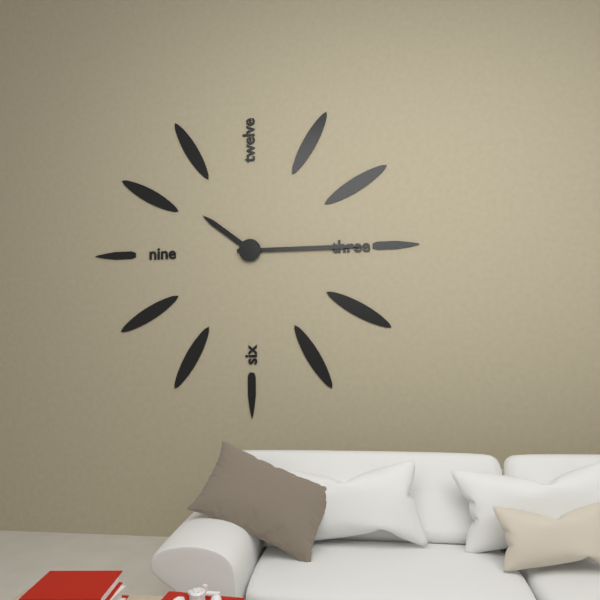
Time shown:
**10:15**
